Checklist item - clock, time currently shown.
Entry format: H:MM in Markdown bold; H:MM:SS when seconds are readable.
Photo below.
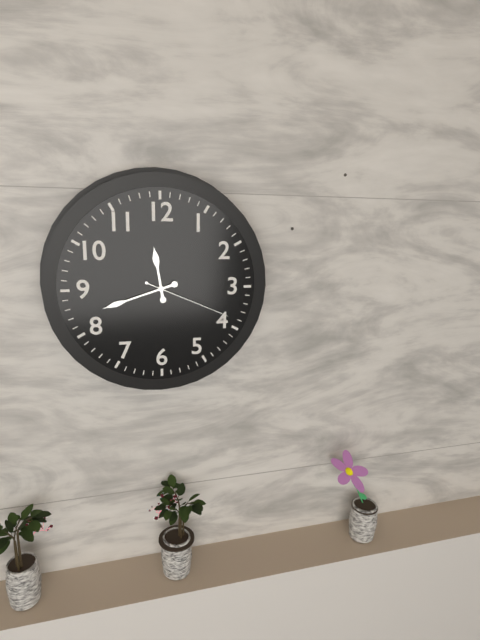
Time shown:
**11:42:19**
